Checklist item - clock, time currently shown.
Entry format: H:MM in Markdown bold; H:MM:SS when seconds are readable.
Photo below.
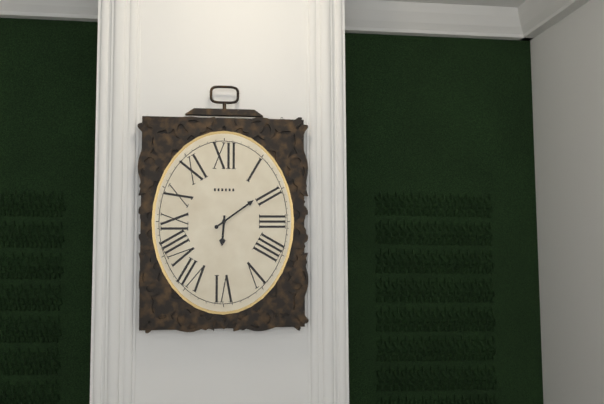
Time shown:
**6:09**
